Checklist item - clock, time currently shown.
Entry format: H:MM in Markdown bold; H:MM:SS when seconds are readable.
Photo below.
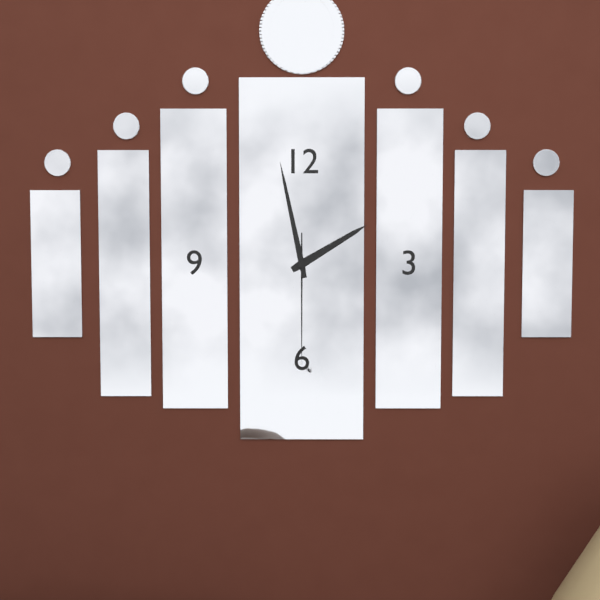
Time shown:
**1:58:30**
